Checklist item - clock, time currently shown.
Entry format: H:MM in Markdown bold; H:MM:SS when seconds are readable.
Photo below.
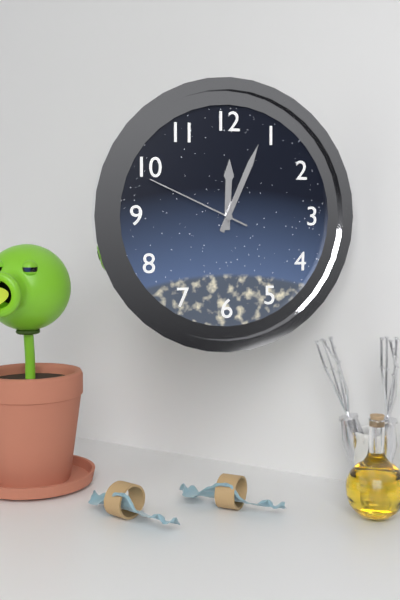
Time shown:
**12:04:49**
